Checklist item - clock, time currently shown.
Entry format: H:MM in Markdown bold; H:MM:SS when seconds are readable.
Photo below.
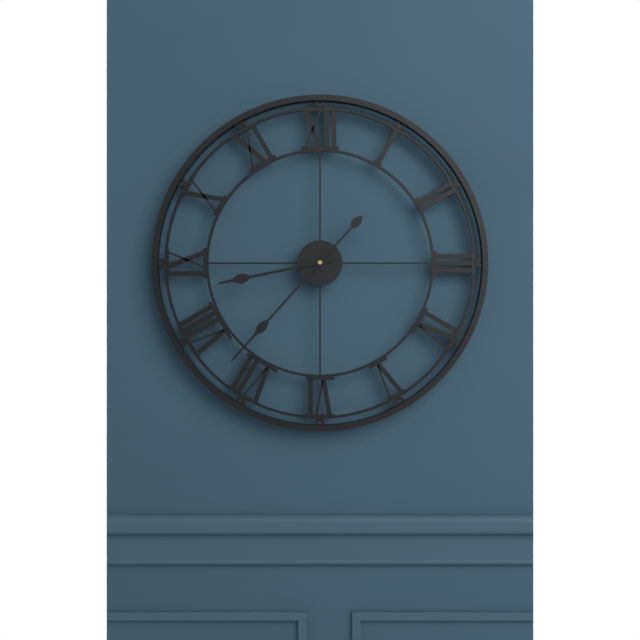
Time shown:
**8:37**
